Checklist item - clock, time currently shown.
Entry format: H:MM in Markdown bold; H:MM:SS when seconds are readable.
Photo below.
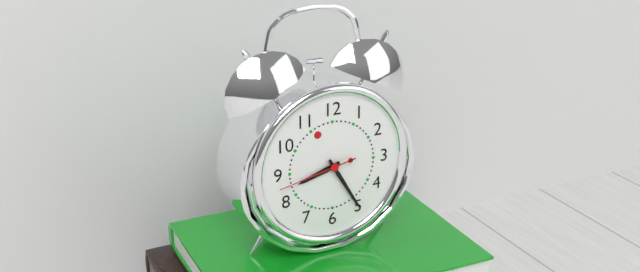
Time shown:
**8:25:43**
